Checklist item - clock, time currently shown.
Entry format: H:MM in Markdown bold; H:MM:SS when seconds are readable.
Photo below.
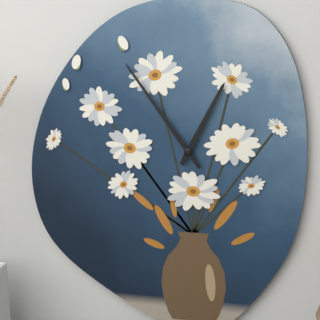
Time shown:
**12:54**
